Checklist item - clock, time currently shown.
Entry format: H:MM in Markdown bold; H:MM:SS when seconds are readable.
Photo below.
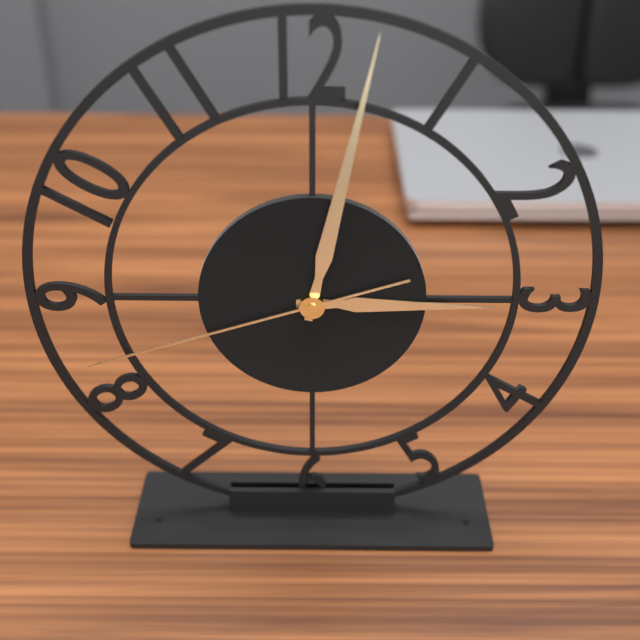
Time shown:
**3:02:42**
